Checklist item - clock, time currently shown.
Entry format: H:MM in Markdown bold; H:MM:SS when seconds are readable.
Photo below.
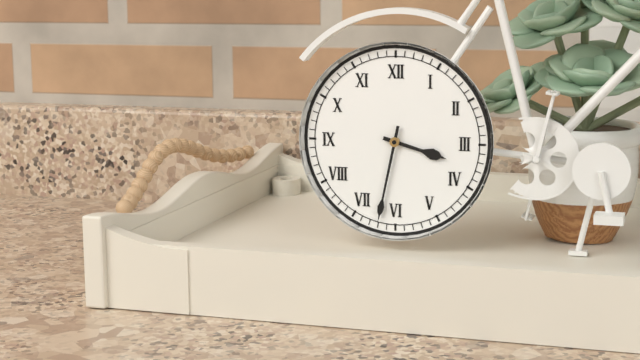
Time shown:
**3:32**
